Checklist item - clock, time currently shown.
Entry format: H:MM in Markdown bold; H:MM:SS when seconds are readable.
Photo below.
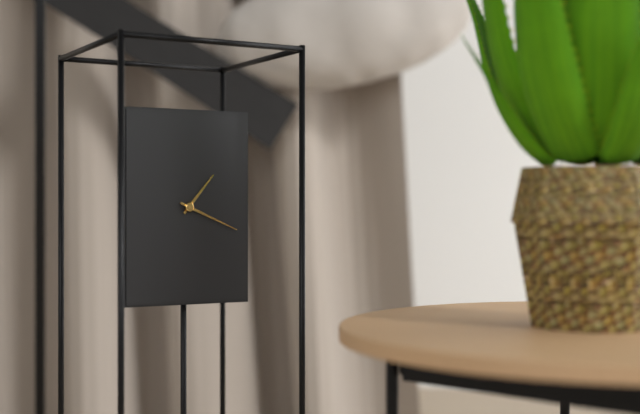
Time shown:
**1:19**
